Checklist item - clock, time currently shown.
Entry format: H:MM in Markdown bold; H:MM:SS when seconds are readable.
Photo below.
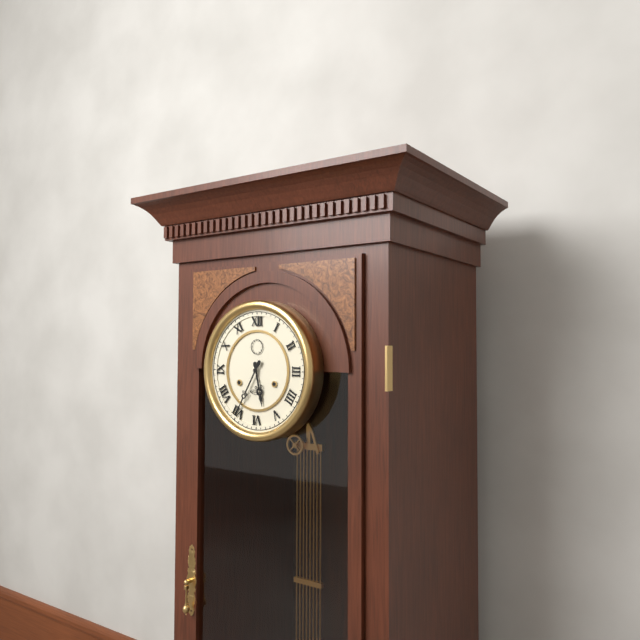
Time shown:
**5:35**
